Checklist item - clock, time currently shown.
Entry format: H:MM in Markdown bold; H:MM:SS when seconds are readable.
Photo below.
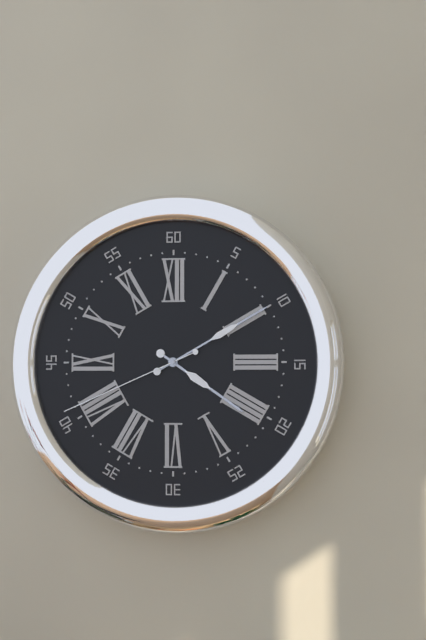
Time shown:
**4:10:41**
